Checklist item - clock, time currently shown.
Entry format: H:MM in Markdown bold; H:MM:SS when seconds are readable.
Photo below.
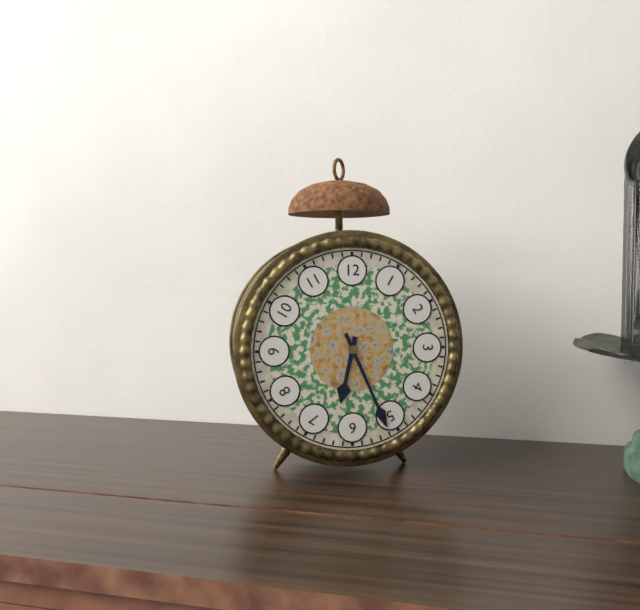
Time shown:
**6:26**
